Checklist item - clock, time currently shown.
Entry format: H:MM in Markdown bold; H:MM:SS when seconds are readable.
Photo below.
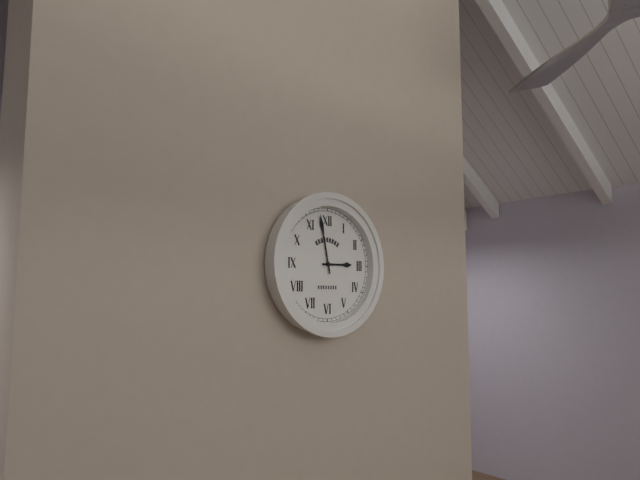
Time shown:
**2:58**
